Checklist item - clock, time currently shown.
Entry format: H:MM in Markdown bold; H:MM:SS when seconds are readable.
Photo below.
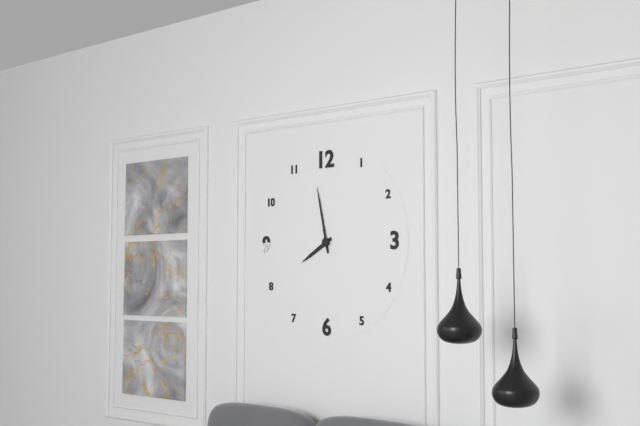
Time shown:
**7:58**
